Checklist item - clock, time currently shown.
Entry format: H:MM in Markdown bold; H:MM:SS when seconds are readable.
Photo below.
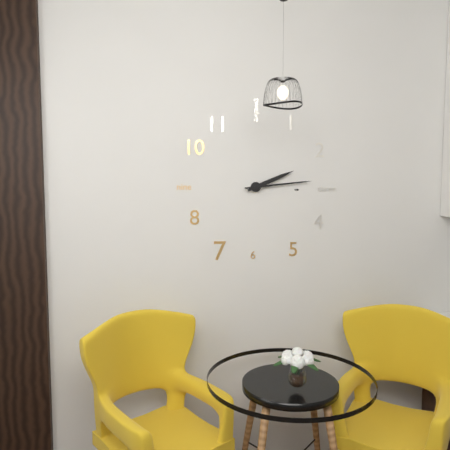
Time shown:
**2:14**
